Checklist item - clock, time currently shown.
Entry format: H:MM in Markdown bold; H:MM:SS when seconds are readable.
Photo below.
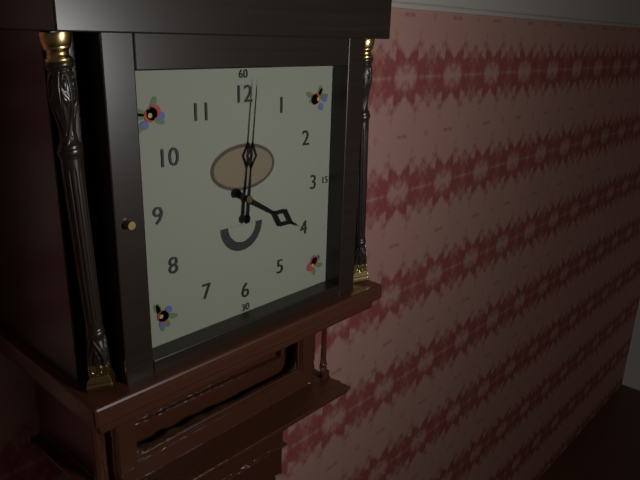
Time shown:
**4:01**
